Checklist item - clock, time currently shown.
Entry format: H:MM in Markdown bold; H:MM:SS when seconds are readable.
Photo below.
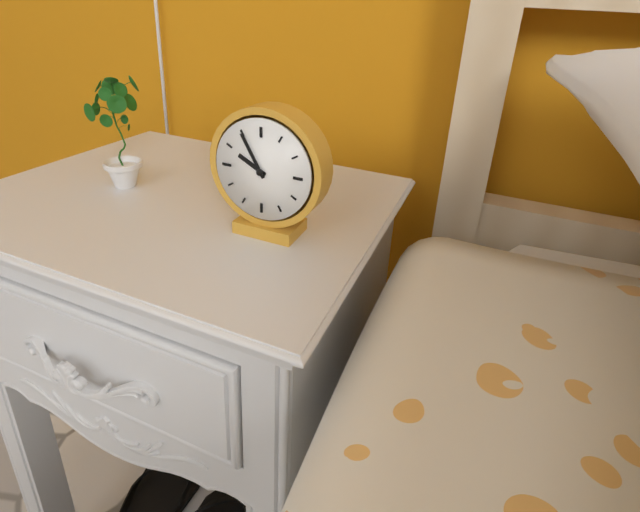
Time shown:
**9:55**
